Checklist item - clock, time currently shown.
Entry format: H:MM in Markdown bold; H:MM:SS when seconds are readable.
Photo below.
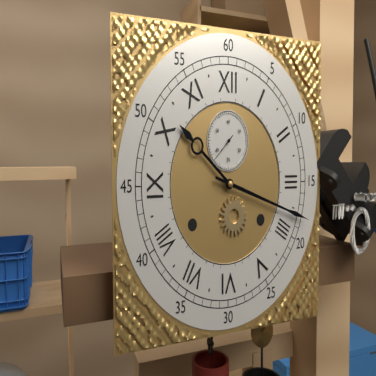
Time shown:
**10:18**
